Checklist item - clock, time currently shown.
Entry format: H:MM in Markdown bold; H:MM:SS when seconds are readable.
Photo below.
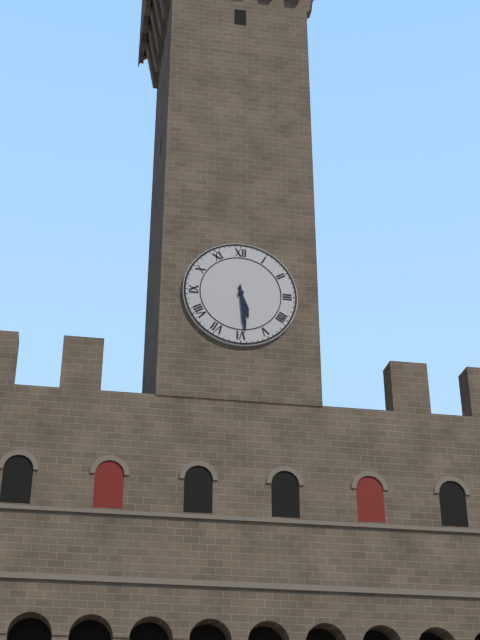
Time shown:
**5:29**
